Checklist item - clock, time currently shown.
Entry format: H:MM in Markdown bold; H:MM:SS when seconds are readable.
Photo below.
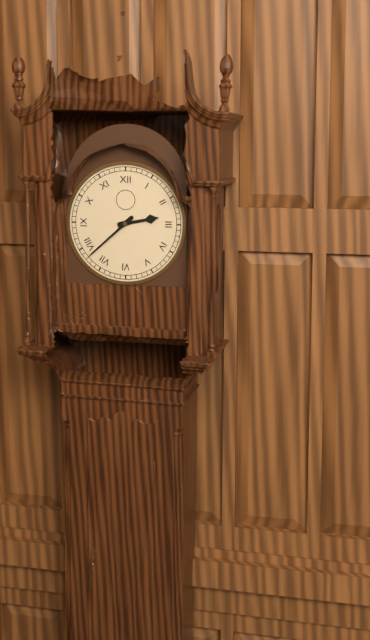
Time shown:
**2:38**
